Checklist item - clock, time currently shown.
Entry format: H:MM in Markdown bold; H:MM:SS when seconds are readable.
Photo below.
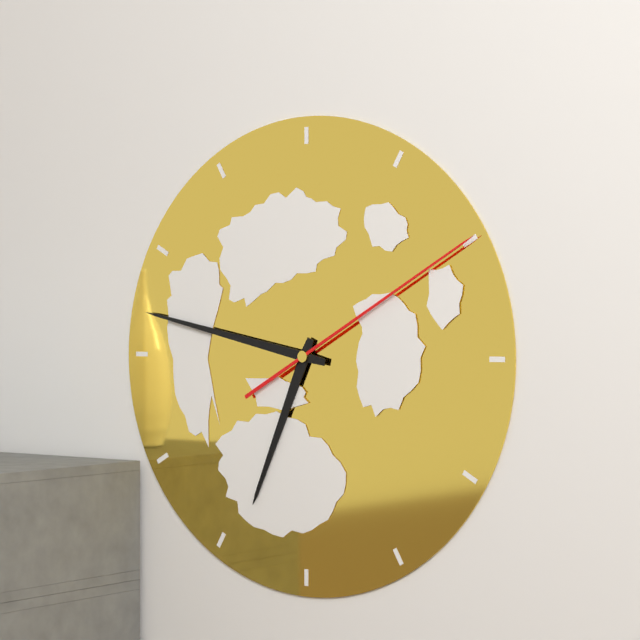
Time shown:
**6:47:10**
